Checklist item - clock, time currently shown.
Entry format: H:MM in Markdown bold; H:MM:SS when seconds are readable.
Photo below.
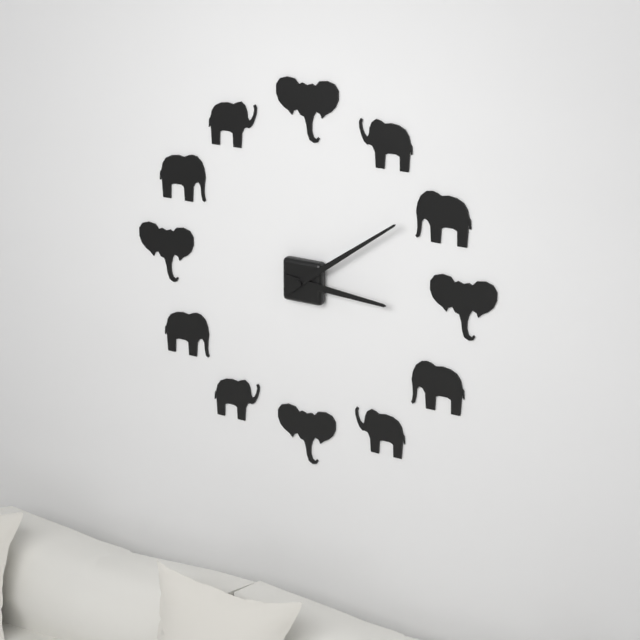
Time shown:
**3:09**
